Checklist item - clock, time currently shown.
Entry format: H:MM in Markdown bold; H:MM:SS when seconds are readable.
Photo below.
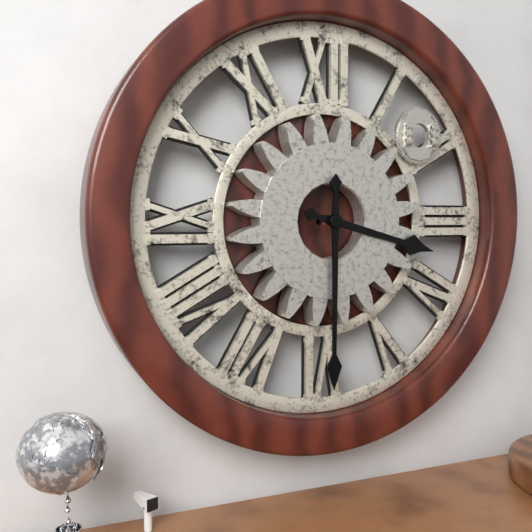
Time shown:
**3:30**
